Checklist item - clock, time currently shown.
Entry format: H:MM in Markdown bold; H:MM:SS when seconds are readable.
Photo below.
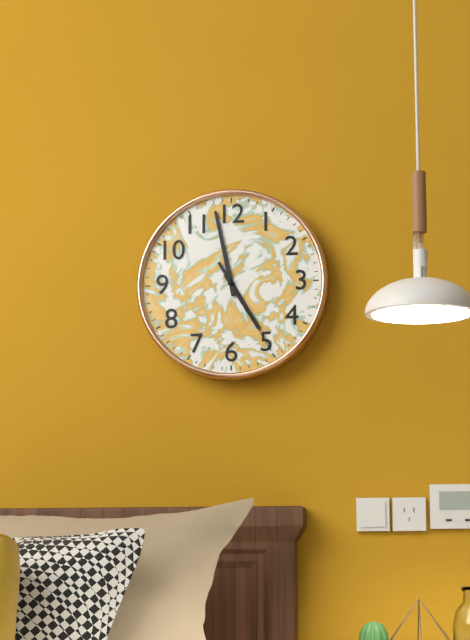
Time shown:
**4:58:25**
